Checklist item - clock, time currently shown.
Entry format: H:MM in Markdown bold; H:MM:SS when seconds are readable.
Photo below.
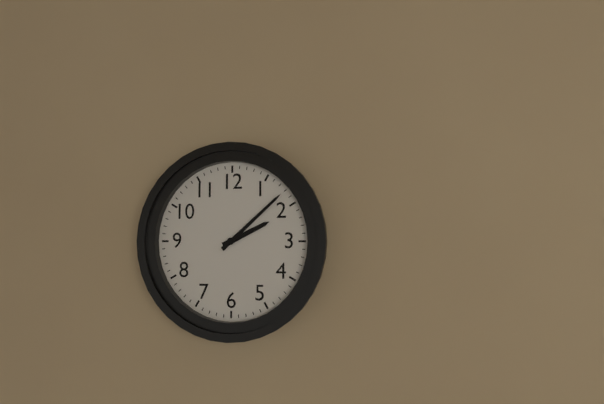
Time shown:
**2:08**
